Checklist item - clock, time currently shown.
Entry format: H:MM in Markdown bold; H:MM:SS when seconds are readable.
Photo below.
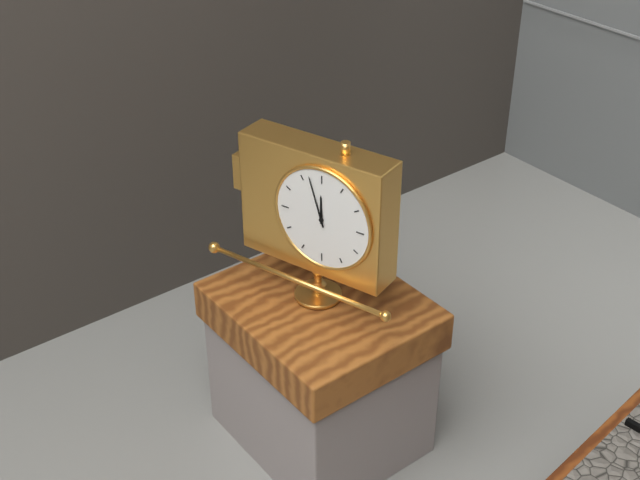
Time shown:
**11:57**
